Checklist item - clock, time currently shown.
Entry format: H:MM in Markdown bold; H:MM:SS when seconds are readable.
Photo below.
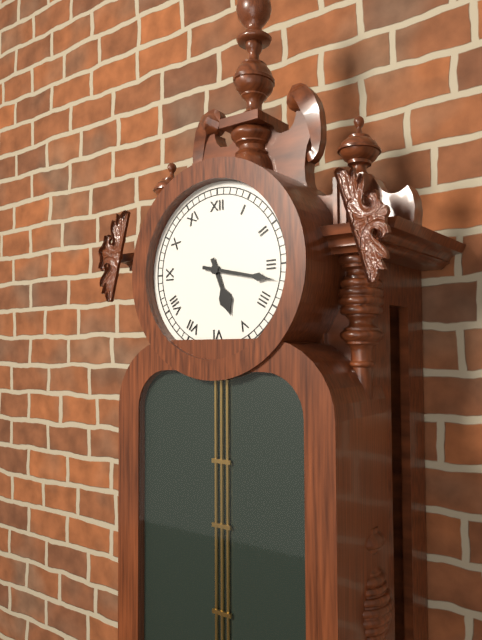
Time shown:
**5:17**
